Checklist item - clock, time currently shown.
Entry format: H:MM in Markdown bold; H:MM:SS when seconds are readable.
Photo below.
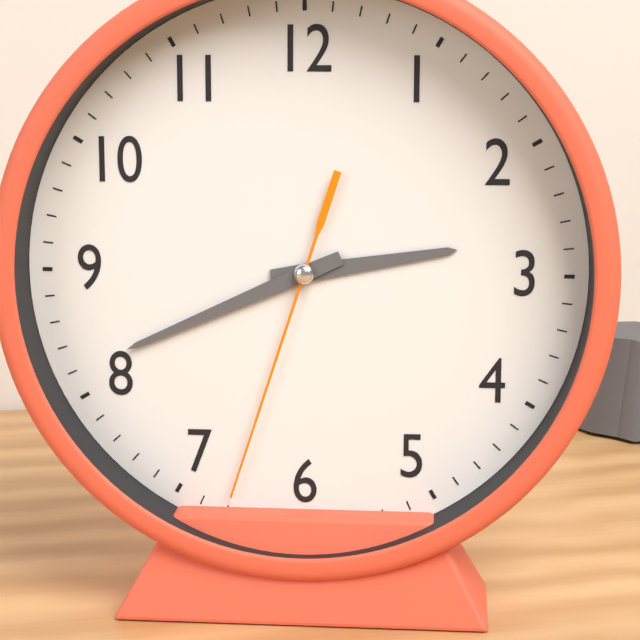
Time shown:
**2:41:33**
